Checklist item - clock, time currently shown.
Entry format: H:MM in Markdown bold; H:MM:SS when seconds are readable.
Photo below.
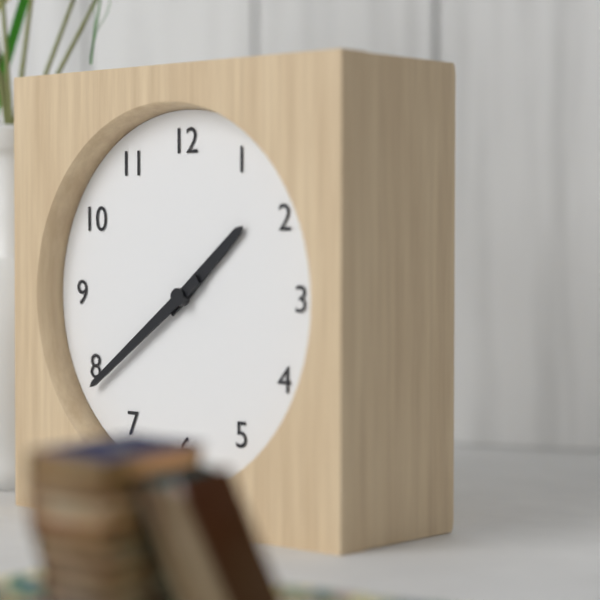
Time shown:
**1:39**
